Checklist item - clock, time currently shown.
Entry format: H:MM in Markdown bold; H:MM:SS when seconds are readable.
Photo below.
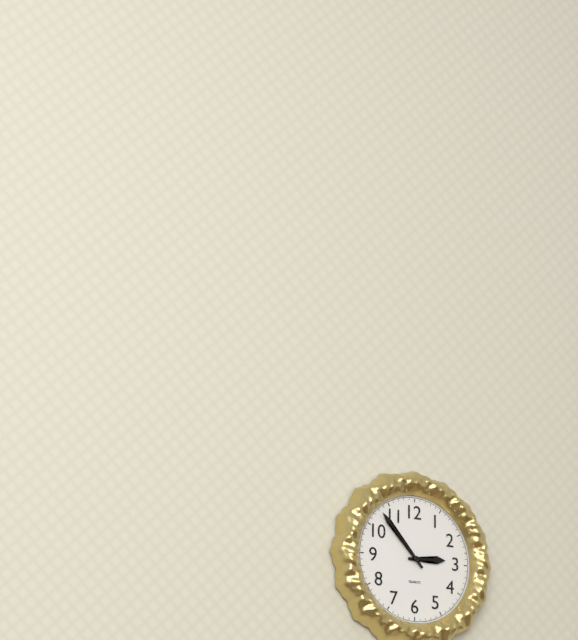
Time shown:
**2:53**
